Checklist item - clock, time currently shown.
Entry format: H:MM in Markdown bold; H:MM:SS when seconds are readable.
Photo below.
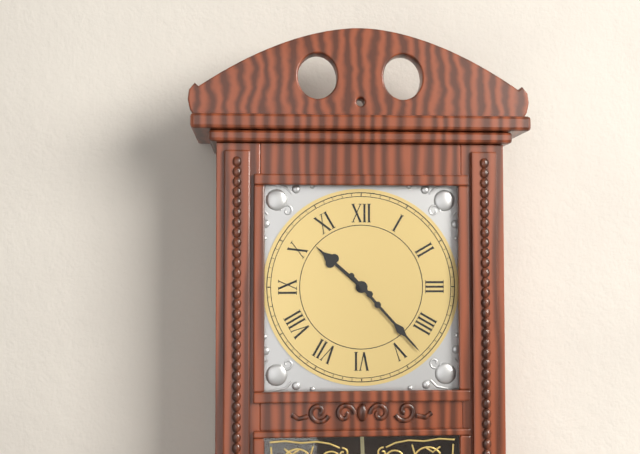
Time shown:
**10:23**
